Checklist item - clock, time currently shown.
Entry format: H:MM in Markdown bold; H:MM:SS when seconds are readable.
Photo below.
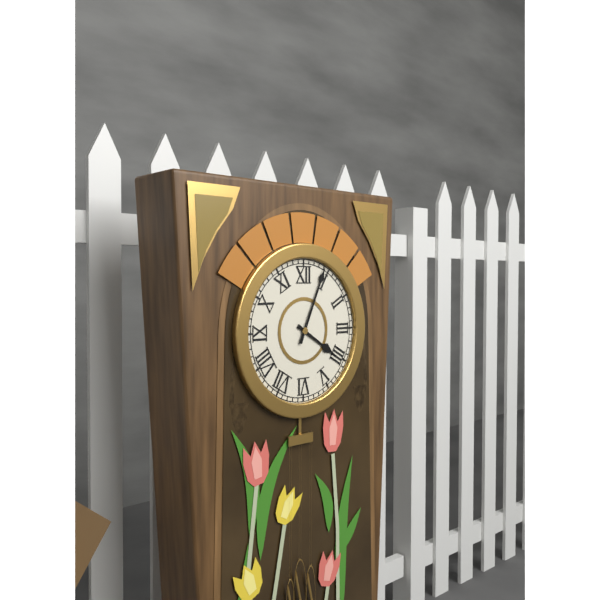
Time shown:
**4:04**
